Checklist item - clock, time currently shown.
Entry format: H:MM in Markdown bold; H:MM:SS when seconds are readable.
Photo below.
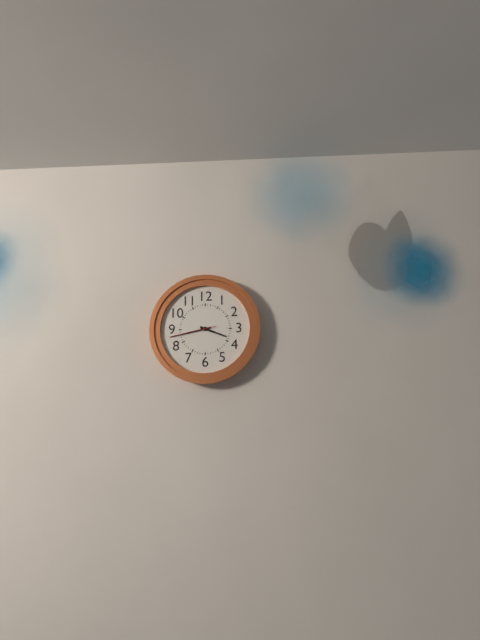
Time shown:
**3:43**
